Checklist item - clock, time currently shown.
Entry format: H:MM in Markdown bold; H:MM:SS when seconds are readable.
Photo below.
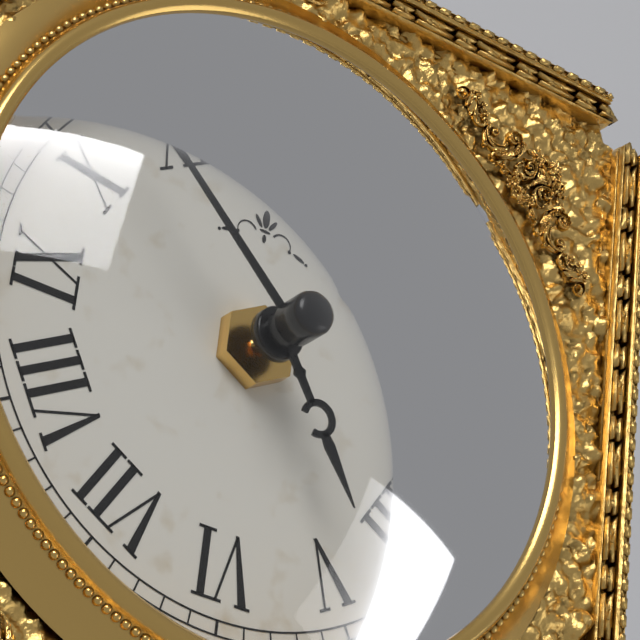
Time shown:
**4:52**
